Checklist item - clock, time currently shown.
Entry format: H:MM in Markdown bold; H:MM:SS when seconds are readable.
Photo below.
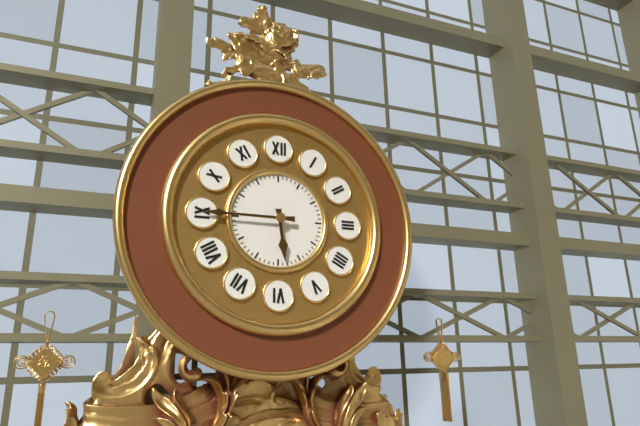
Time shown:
**5:45**
